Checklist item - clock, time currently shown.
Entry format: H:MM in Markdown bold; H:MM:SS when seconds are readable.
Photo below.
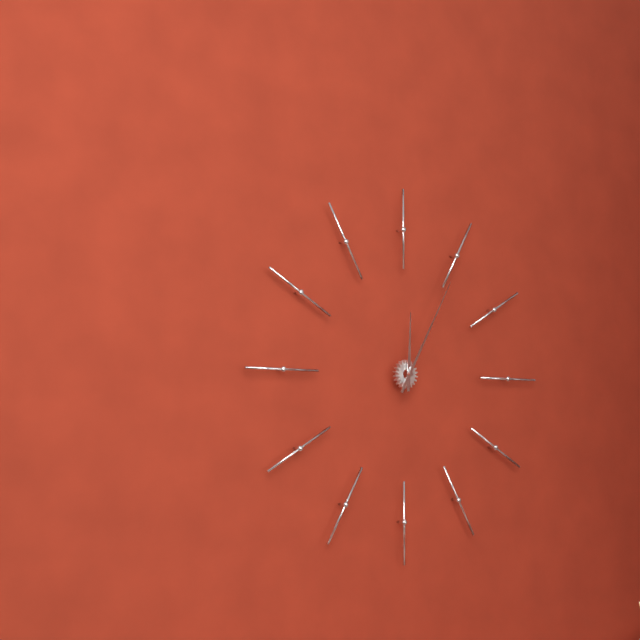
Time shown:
**12:05**
